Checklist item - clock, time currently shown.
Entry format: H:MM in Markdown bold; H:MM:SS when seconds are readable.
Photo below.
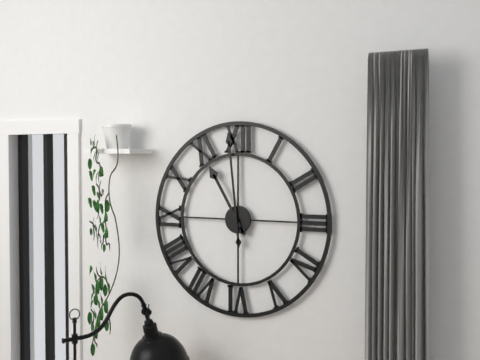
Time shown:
**10:59**
